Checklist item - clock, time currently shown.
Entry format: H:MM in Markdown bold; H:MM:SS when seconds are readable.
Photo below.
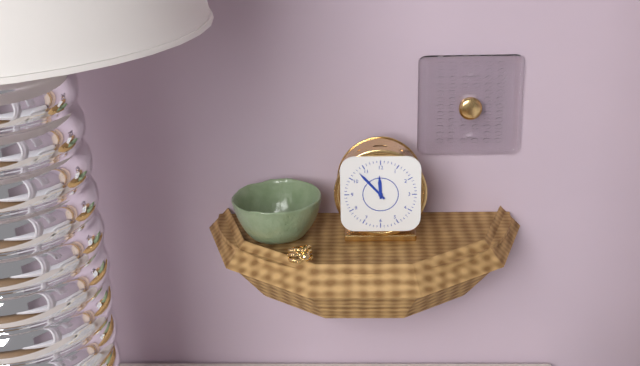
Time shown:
**11:53**
